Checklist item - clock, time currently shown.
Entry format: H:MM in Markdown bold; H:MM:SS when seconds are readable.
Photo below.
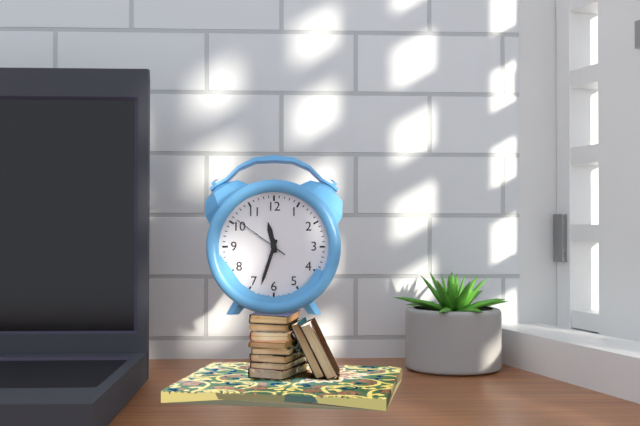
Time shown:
**11:33:51**
